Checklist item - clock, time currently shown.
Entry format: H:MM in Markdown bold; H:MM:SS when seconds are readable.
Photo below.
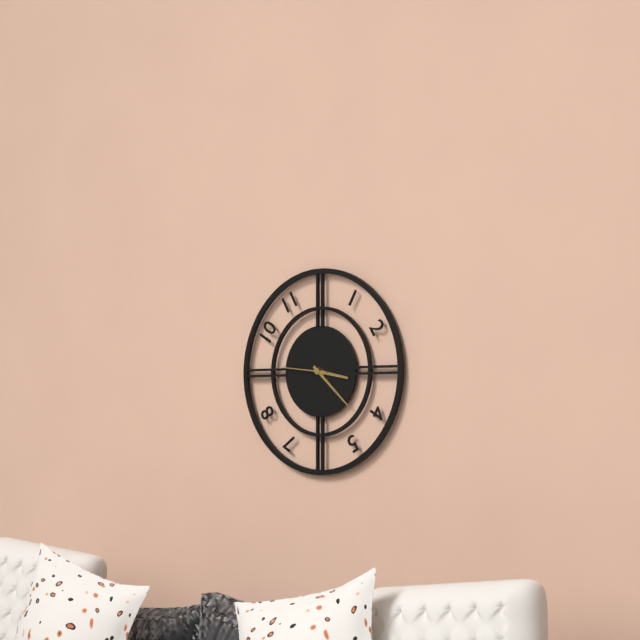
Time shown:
**3:22**
